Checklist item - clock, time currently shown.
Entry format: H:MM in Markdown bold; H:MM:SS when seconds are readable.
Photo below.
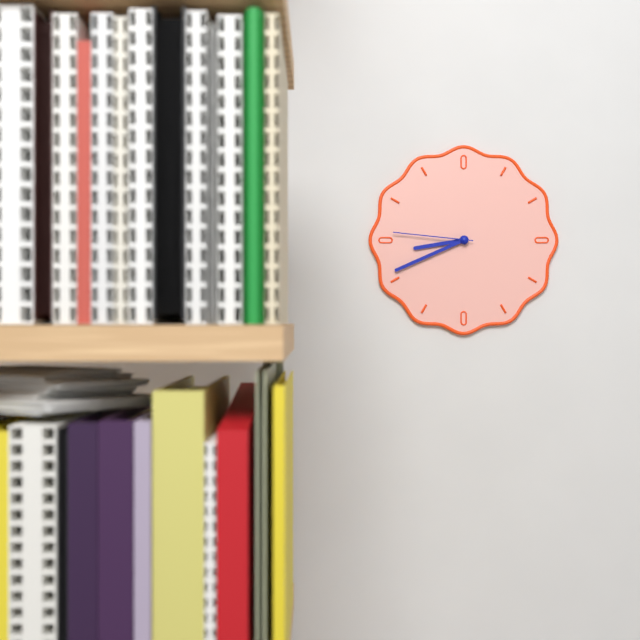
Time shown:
**8:41:46**
